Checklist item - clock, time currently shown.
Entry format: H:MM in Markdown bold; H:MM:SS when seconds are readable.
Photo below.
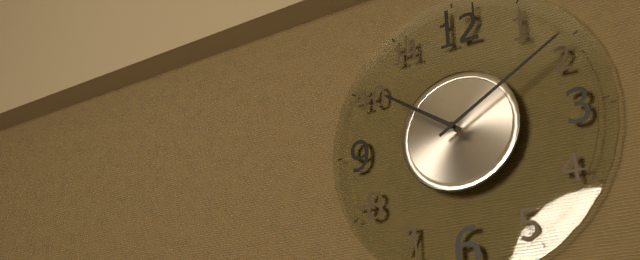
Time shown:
**10:10**
